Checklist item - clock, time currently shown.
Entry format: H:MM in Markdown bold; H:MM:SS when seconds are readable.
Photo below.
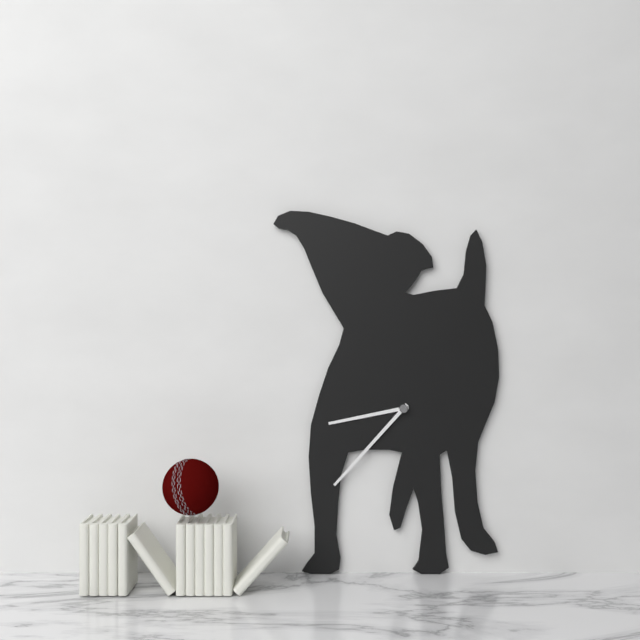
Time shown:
**8:37**
